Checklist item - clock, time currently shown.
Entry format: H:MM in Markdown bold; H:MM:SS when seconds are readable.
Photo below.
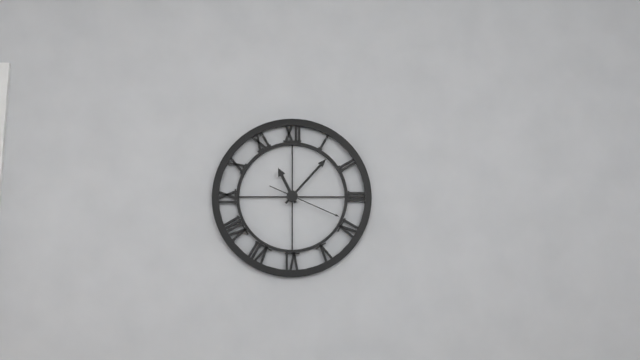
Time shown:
**11:07:19**
